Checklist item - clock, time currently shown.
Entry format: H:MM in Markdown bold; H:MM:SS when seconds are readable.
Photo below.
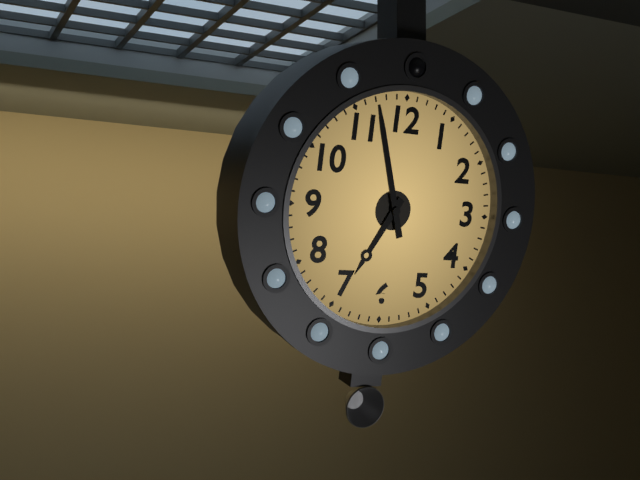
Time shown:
**6:57**
